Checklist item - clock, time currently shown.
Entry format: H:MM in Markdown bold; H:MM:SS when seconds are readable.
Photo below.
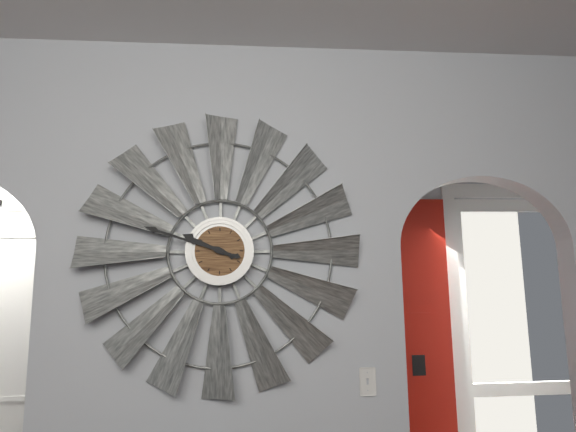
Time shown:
**9:48**
